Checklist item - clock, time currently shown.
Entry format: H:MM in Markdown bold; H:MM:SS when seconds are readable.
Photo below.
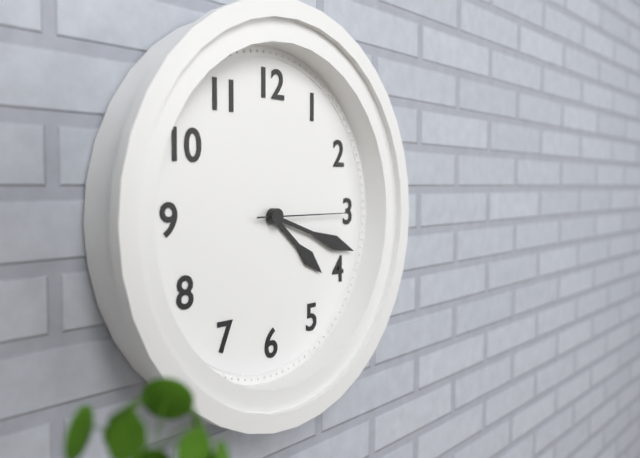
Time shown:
**4:18:15**
